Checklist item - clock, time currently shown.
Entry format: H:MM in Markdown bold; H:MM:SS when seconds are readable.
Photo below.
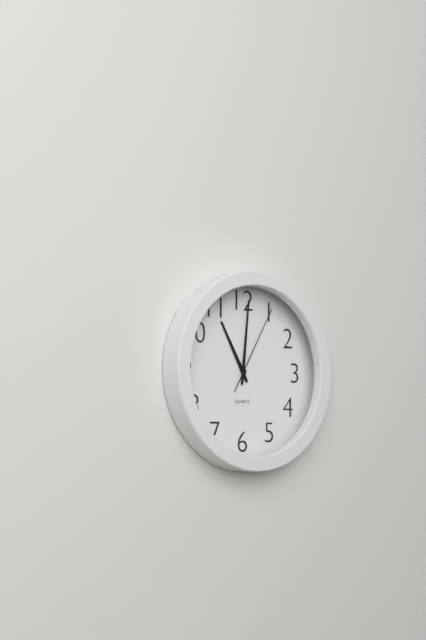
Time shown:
**11:01:05**
